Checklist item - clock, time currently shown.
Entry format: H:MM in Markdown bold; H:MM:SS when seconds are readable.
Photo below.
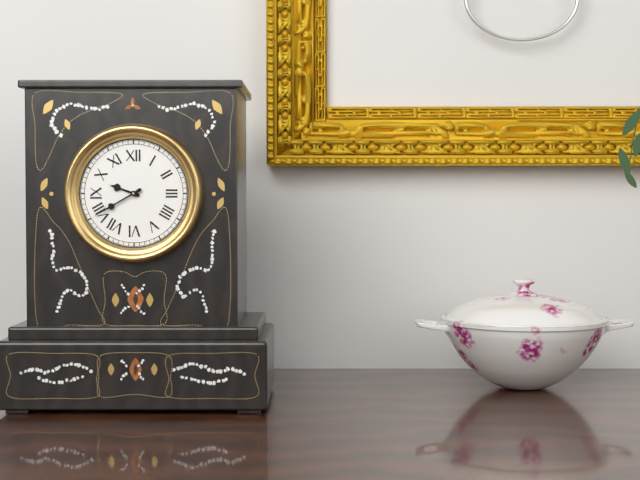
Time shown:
**9:40**
